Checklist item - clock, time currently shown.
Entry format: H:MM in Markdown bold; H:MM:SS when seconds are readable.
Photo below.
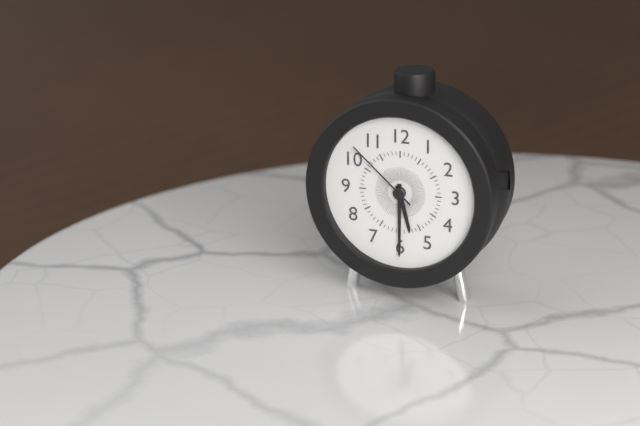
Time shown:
**5:30:52**
